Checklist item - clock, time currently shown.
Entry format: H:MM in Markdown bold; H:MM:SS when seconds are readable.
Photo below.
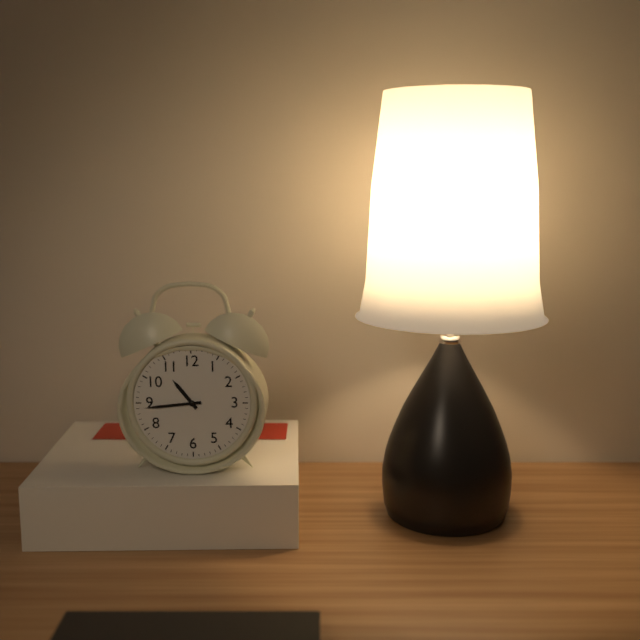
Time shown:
**10:44**
